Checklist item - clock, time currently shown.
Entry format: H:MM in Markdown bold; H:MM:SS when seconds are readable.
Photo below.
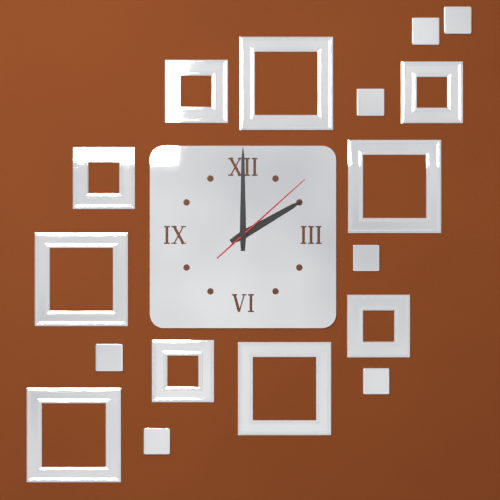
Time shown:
**2:00:08**
